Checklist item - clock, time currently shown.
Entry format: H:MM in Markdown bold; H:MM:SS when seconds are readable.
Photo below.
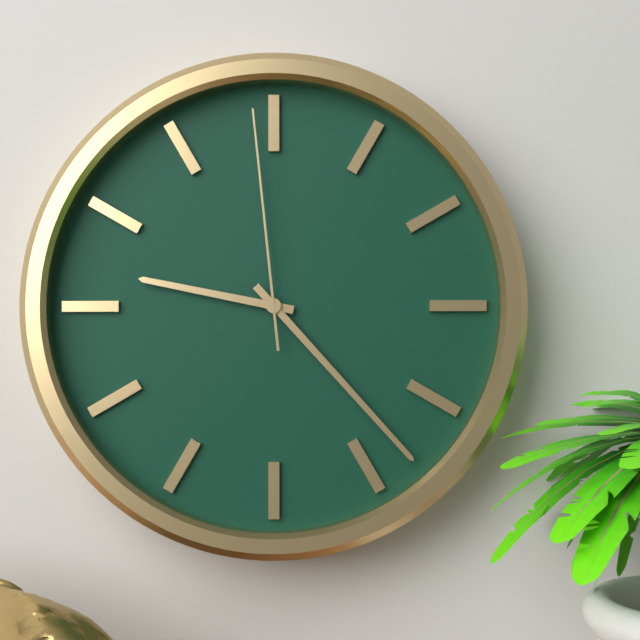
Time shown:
**9:23:59**
